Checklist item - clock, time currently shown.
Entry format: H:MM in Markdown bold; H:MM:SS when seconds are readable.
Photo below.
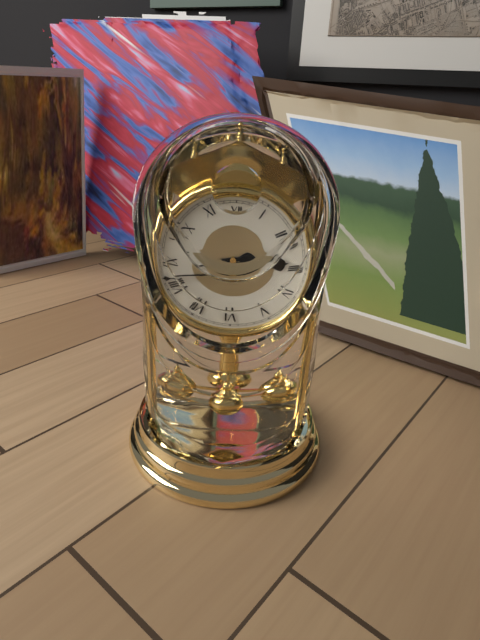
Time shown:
**2:42**
